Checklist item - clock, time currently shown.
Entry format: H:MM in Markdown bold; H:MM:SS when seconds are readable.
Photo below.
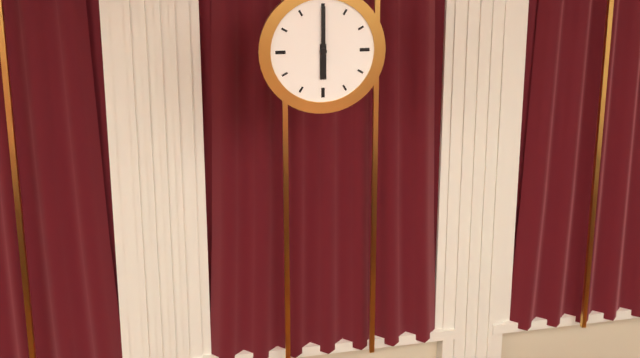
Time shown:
**6:00**
